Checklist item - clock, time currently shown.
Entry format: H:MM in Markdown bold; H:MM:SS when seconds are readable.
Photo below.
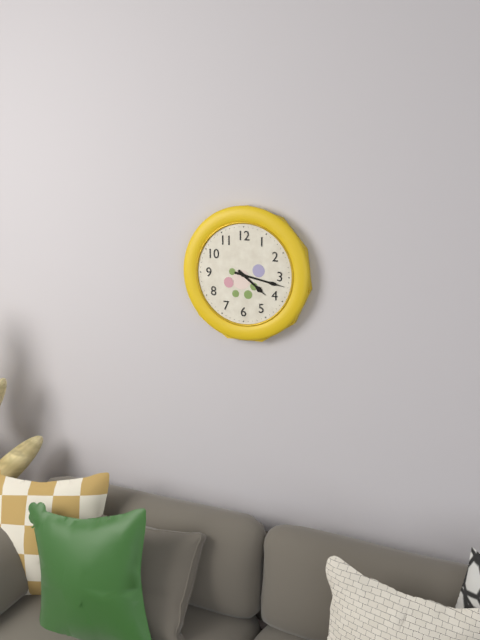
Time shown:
**4:17**
